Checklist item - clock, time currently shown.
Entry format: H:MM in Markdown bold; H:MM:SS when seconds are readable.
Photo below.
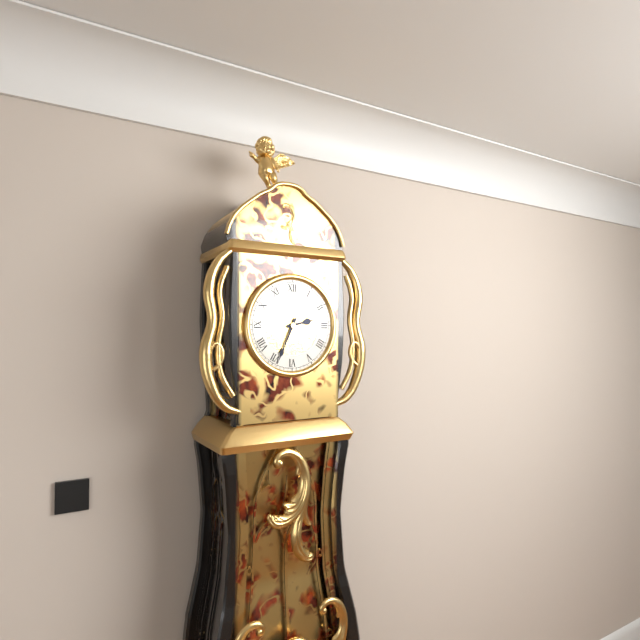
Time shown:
**2:34**
